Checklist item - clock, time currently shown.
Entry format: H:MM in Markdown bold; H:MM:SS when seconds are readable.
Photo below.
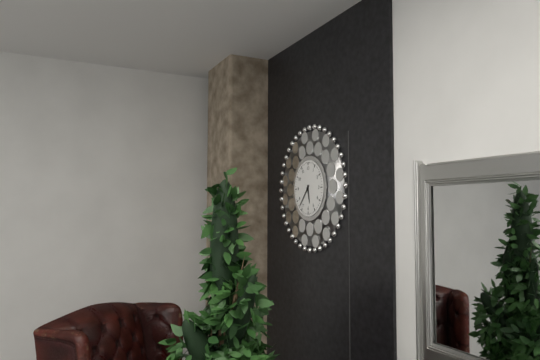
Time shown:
**5:37**
